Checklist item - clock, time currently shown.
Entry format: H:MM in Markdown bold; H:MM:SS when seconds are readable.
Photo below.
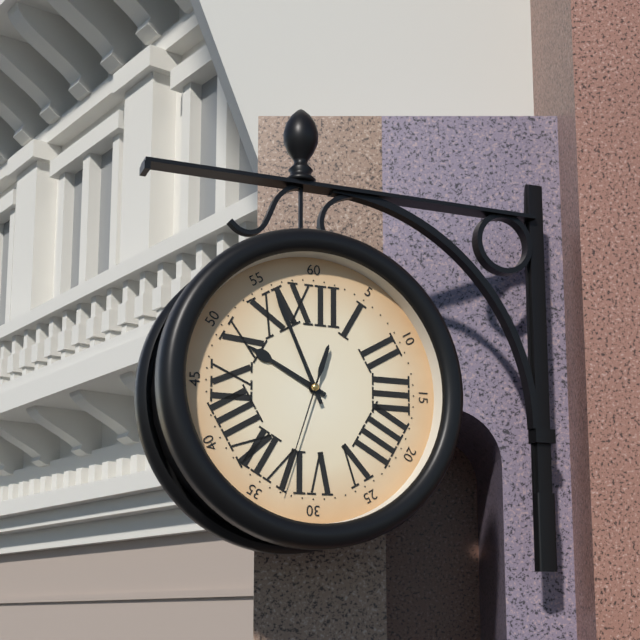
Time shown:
**9:56:33**
